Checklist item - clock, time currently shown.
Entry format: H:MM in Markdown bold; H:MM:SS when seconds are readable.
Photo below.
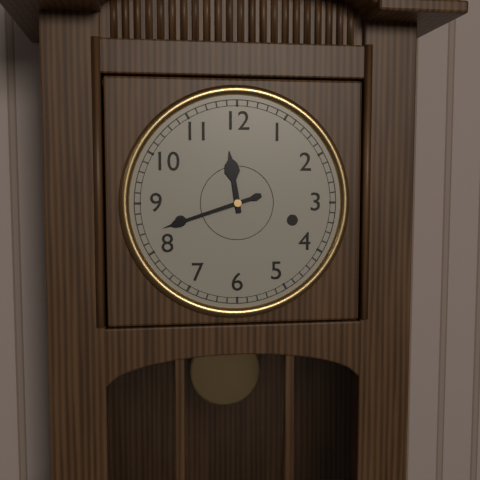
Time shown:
**11:42**
